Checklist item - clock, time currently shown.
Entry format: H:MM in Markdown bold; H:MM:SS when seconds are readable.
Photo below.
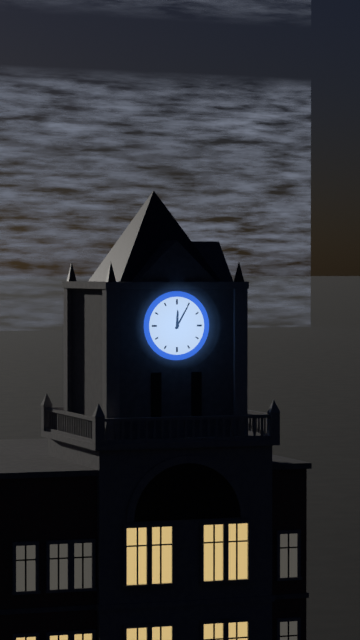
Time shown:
**12:05**
